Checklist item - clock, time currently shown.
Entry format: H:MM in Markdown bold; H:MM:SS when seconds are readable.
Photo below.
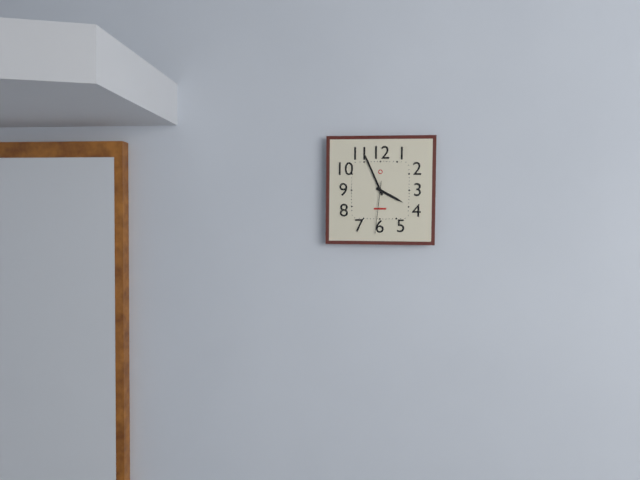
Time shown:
**3:56:31**
